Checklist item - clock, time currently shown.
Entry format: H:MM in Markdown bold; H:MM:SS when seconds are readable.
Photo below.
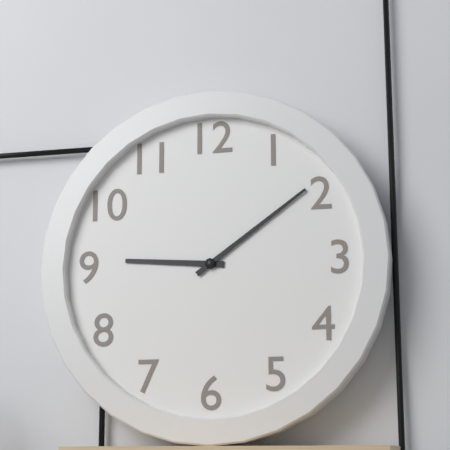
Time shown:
**9:09**
